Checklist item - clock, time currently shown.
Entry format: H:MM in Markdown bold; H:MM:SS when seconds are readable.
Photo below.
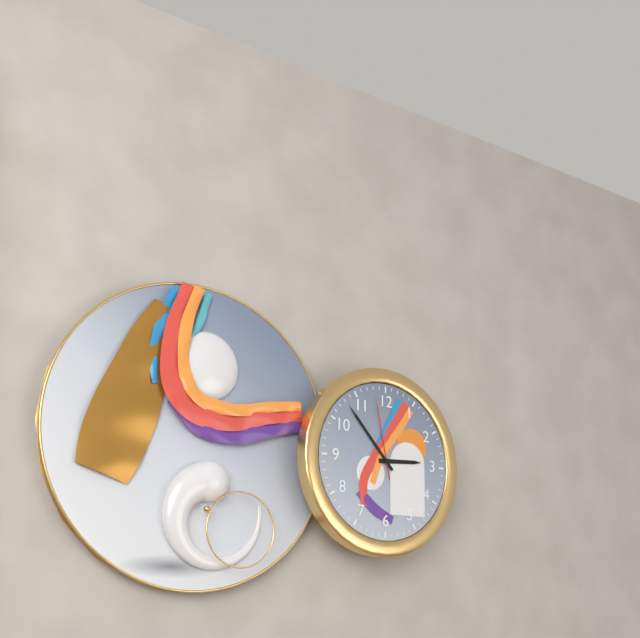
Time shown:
**2:53:58**
